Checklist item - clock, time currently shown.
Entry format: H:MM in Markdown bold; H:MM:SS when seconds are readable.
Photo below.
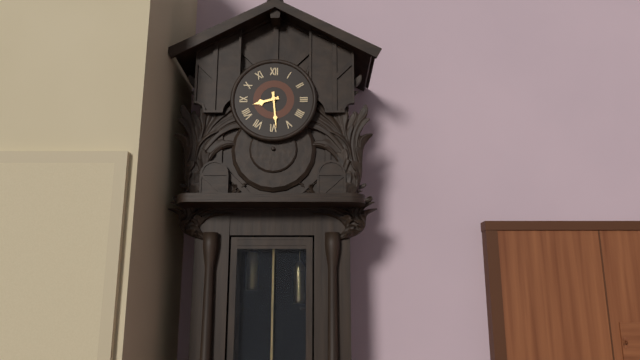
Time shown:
**8:29**
